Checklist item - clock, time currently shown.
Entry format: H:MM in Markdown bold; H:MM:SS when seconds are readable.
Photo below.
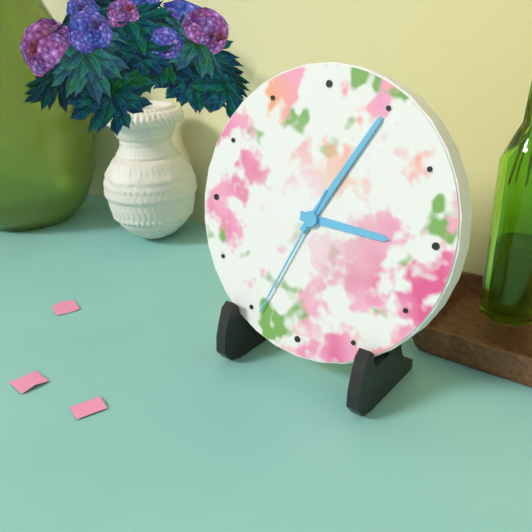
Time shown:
**3:05:34**
